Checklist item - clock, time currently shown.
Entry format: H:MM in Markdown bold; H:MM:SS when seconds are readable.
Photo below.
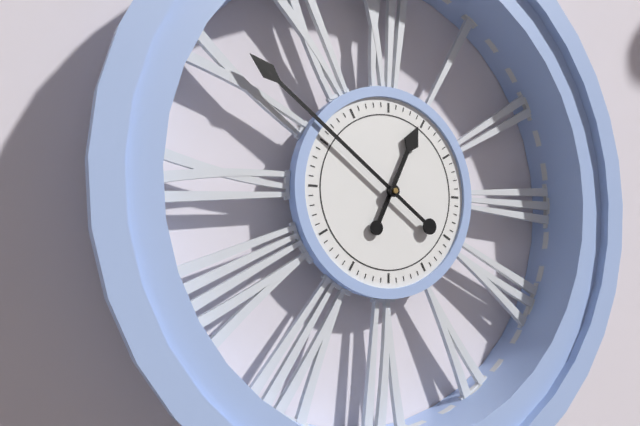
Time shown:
**12:51**
